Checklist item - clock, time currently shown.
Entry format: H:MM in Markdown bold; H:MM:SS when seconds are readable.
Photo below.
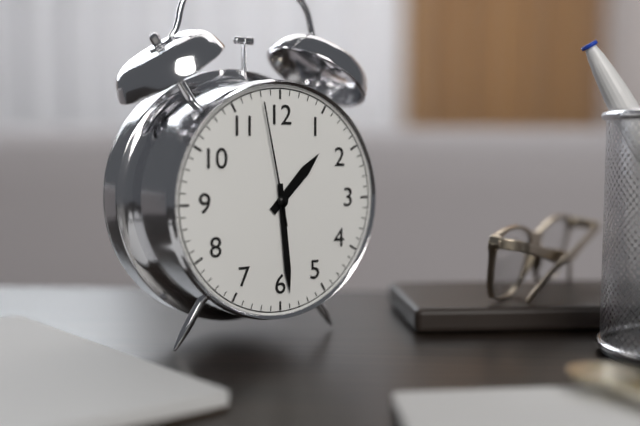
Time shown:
**1:29:58**
